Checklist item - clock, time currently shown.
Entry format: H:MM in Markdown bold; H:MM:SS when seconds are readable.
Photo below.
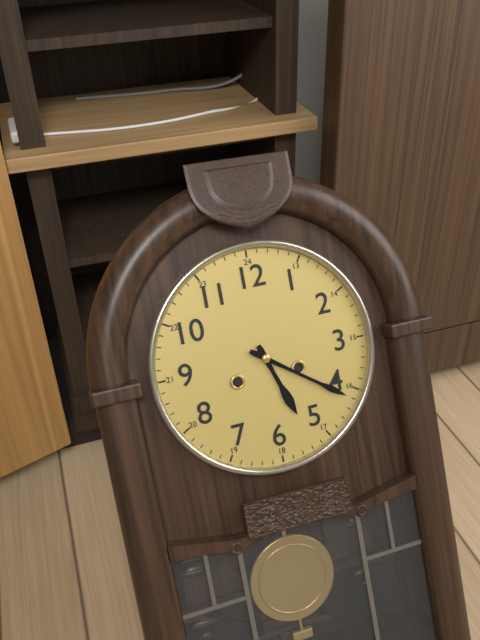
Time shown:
**5:21**
